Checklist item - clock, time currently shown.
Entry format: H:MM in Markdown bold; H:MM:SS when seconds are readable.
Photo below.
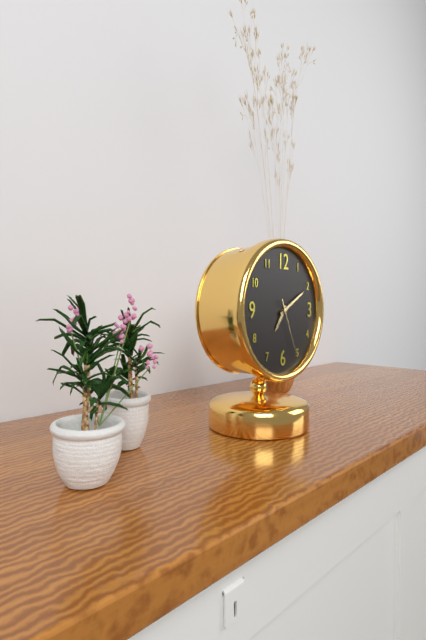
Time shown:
**7:10:26**
